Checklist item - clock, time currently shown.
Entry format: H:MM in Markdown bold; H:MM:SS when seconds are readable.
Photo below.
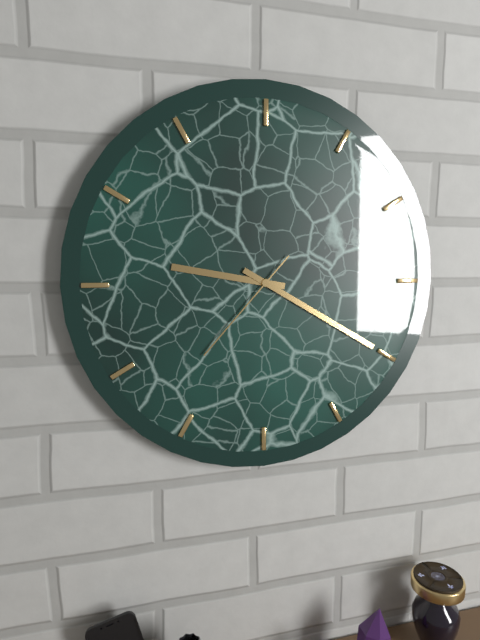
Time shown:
**9:20:37**
